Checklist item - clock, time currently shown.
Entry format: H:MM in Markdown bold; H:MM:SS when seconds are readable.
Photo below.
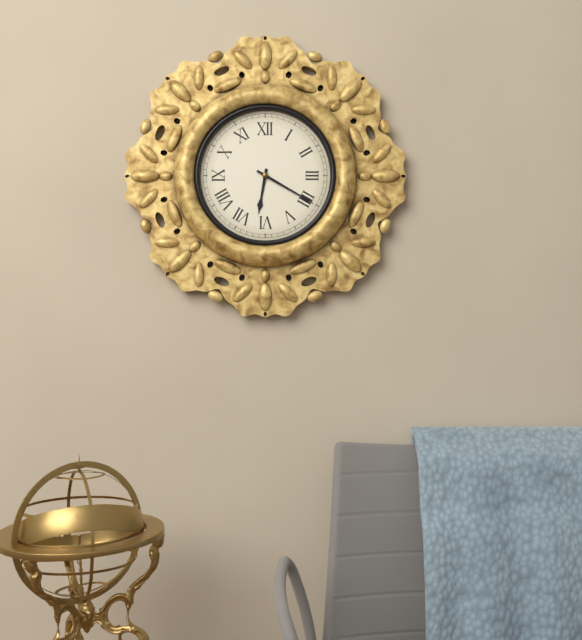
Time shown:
**6:20**
